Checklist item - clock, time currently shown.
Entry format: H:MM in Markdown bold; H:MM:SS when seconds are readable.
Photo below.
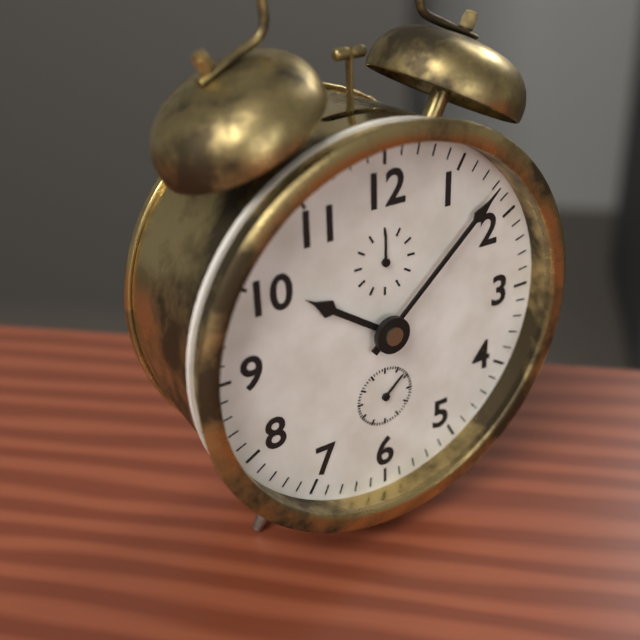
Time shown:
**10:08**
